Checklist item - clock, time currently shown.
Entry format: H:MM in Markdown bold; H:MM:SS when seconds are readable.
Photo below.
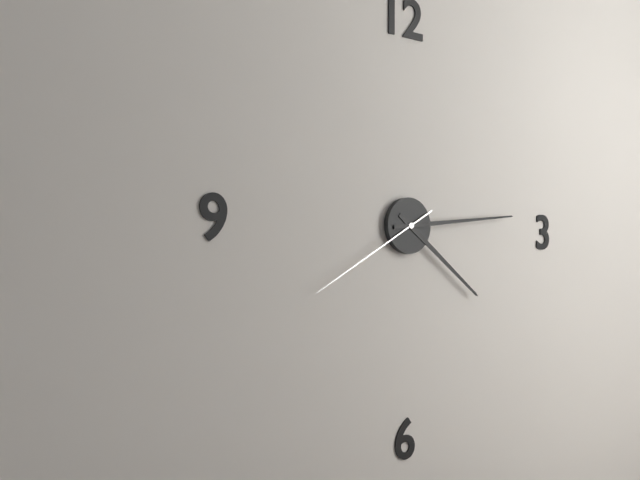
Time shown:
**4:14:40**
